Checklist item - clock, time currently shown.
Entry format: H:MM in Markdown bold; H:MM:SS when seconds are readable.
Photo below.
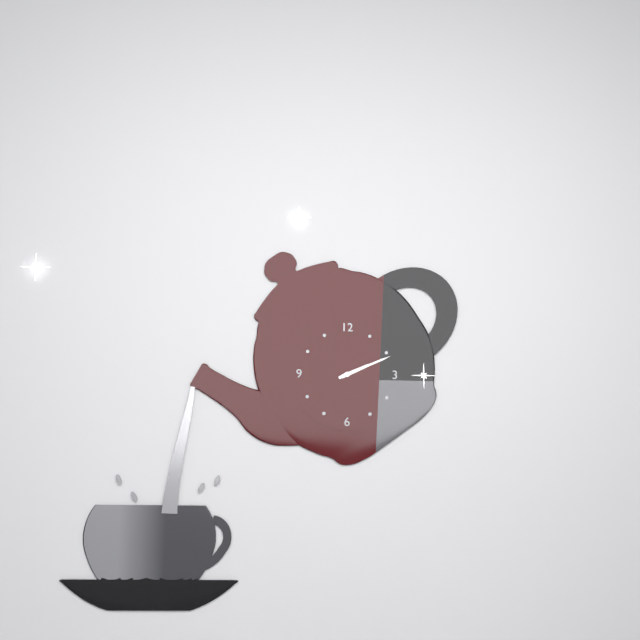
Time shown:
**2:11**
